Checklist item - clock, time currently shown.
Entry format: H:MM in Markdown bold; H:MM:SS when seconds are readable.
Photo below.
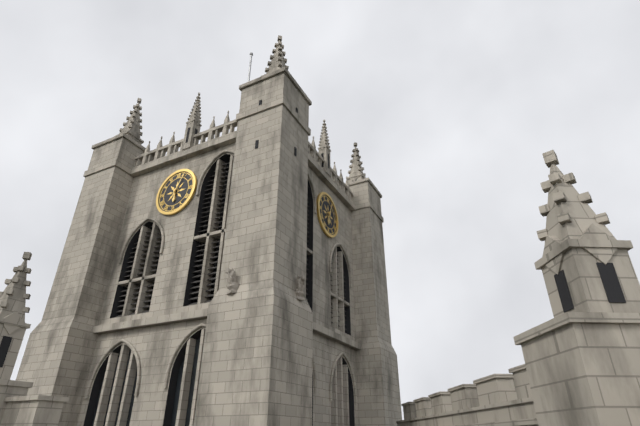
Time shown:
**6:04**
